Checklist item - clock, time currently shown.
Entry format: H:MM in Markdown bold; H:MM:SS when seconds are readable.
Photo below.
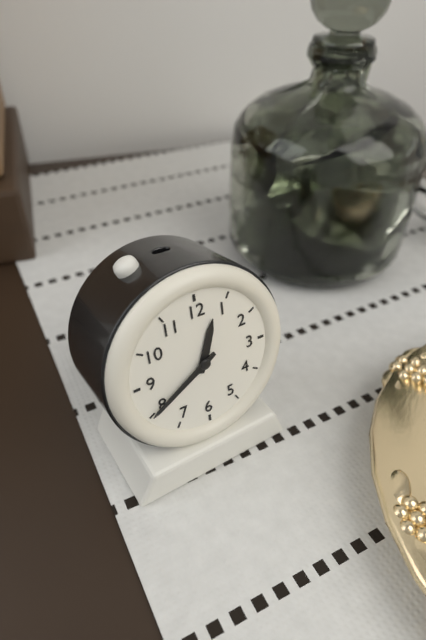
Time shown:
**12:40**
